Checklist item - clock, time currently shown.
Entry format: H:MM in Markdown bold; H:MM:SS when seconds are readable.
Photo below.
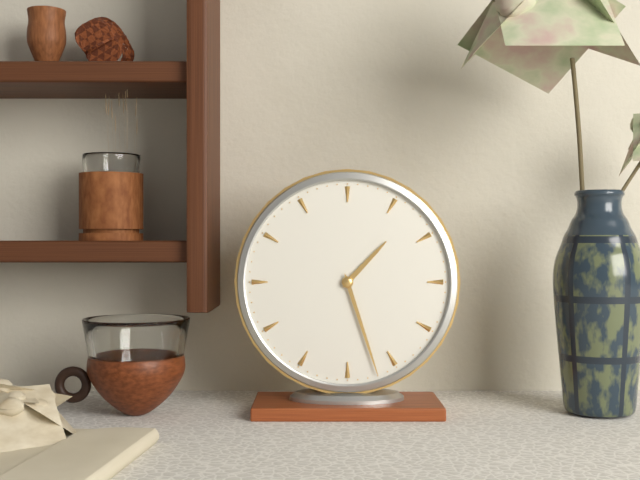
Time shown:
**1:27**
